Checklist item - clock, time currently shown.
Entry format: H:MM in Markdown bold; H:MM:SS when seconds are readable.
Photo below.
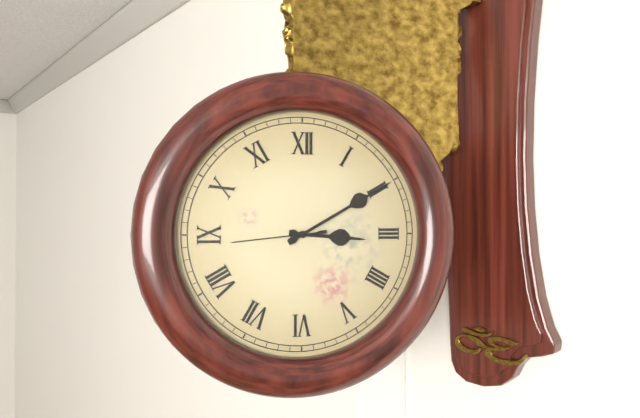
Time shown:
**3:10:44**
